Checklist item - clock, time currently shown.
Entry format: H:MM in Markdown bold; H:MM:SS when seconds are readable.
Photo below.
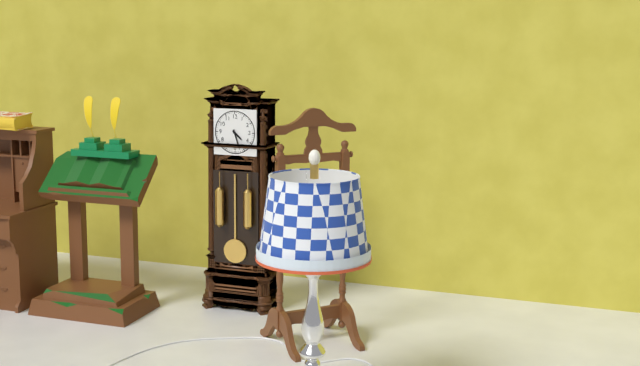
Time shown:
**4:27**
